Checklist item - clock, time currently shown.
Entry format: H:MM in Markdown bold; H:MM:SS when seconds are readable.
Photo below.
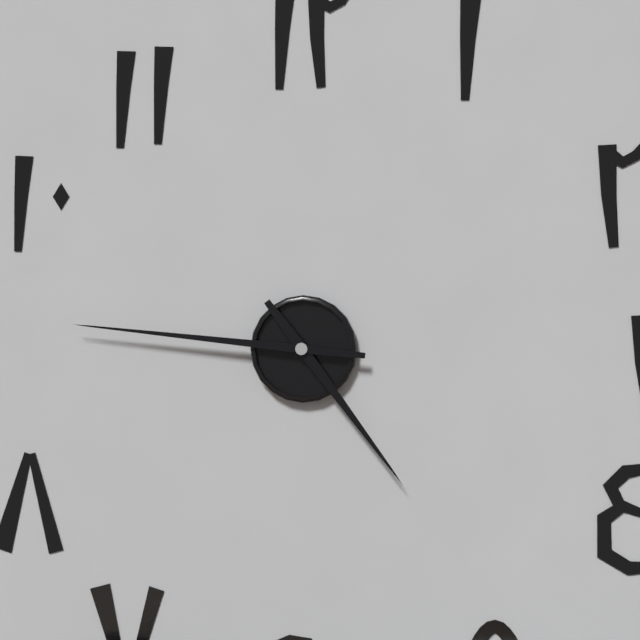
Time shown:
**4:46**
